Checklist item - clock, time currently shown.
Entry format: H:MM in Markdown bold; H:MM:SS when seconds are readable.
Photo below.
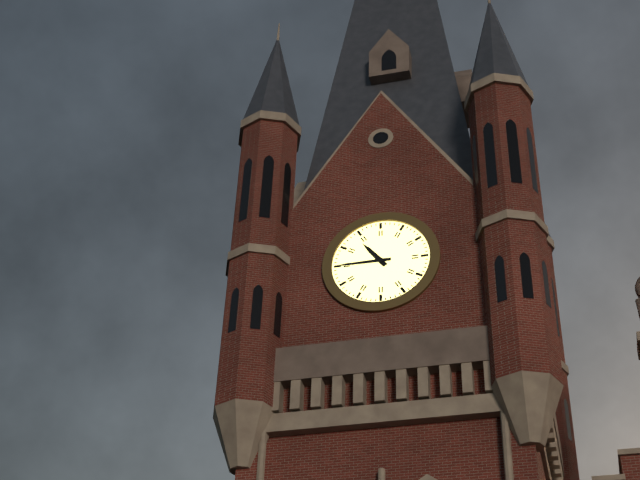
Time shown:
**10:45**
